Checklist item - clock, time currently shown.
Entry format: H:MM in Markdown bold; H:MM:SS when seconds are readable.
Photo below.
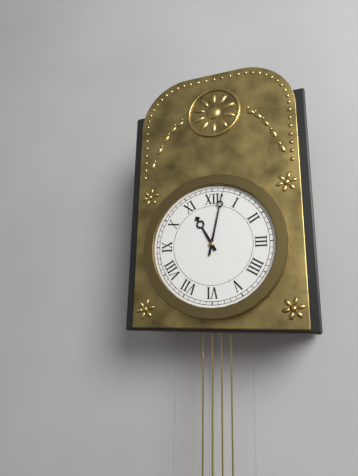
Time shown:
**11:02**
